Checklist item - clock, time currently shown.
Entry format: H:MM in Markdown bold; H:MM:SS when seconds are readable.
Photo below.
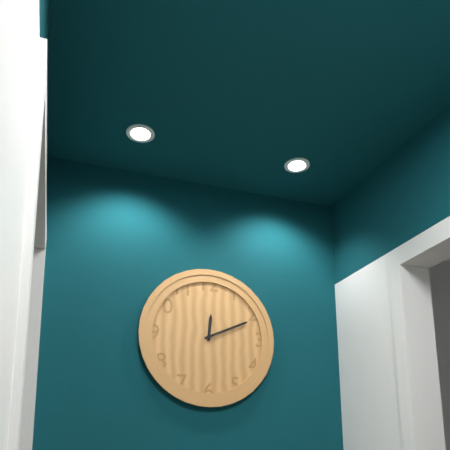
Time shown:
**12:11**
